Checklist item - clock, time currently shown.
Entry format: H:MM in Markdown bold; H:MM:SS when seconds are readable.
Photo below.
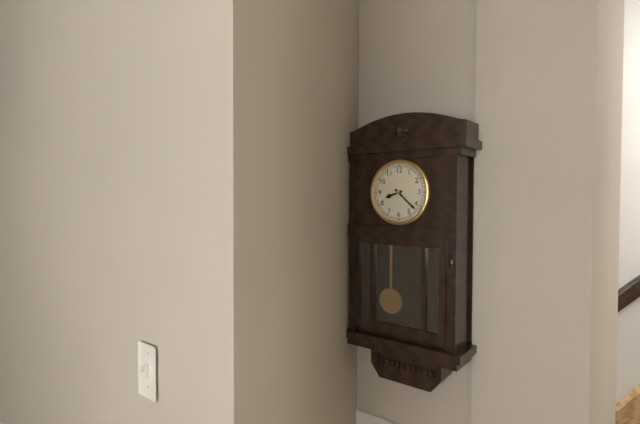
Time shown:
**8:22**
